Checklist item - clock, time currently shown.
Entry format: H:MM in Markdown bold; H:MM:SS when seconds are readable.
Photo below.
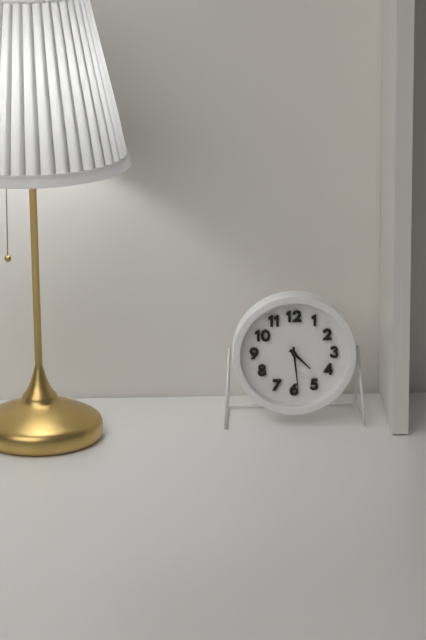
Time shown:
**4:29**
